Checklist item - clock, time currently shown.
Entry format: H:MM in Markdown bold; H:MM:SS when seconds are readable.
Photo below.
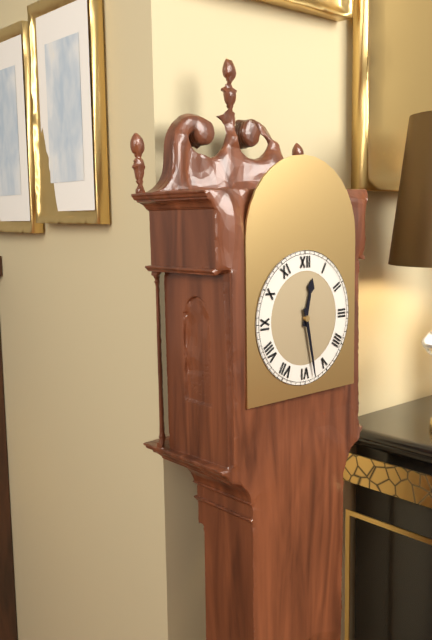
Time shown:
**12:28**
